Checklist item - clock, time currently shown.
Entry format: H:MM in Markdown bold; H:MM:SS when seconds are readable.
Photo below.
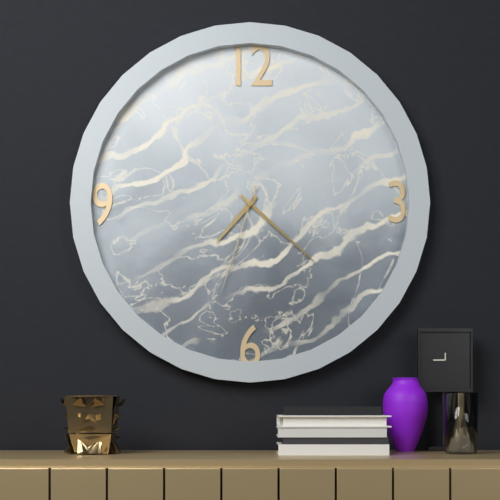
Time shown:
**7:22:33**
